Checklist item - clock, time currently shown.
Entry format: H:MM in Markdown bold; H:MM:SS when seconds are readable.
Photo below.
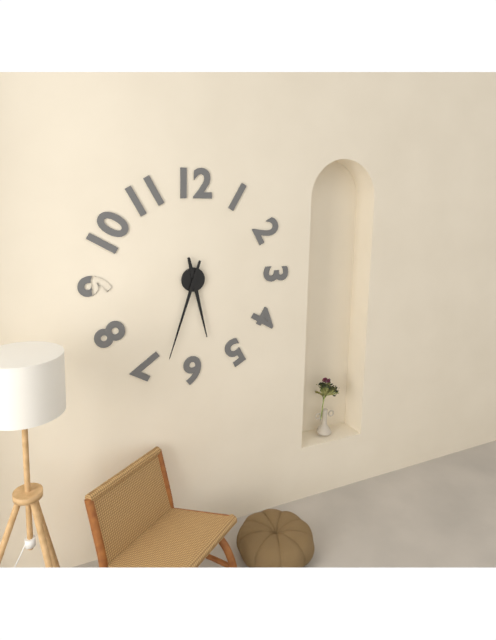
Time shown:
**5:33**
